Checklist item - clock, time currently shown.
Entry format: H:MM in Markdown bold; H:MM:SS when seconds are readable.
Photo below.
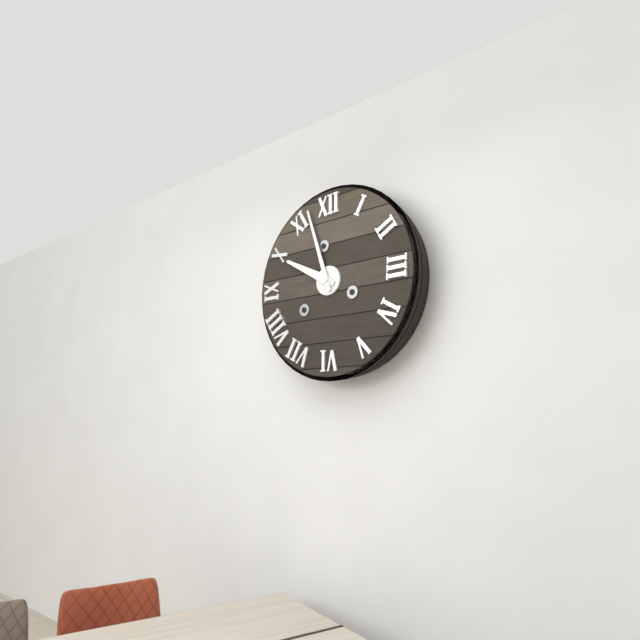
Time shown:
**9:57**
